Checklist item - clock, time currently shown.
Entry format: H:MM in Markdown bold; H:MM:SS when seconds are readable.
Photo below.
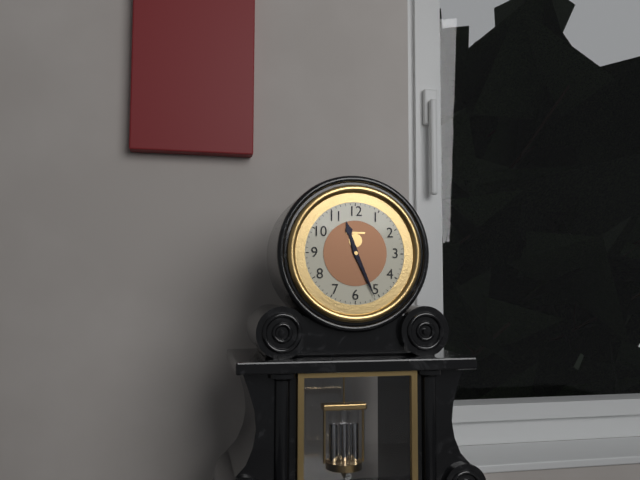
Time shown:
**11:26**
